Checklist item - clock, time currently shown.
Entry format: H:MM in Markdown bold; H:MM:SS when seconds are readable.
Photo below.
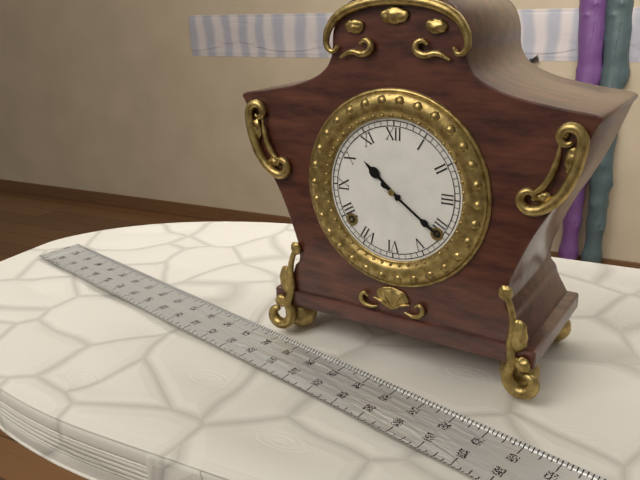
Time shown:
**10:21**
